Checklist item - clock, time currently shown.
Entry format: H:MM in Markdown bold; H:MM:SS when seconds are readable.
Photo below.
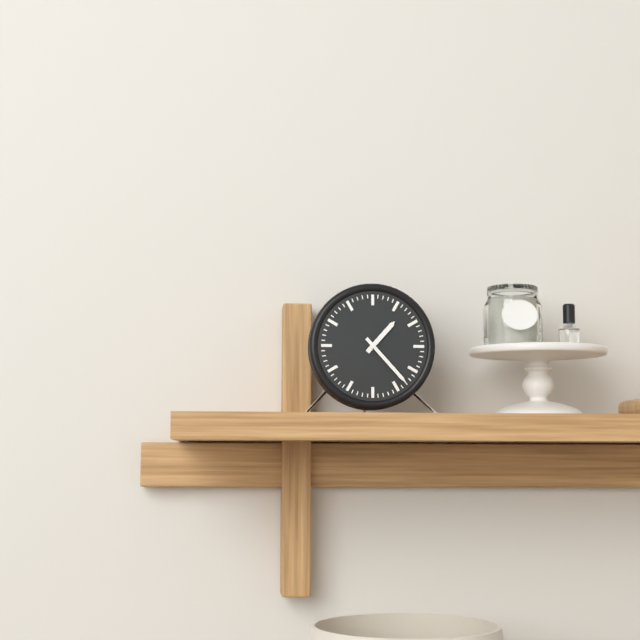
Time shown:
**1:23**
